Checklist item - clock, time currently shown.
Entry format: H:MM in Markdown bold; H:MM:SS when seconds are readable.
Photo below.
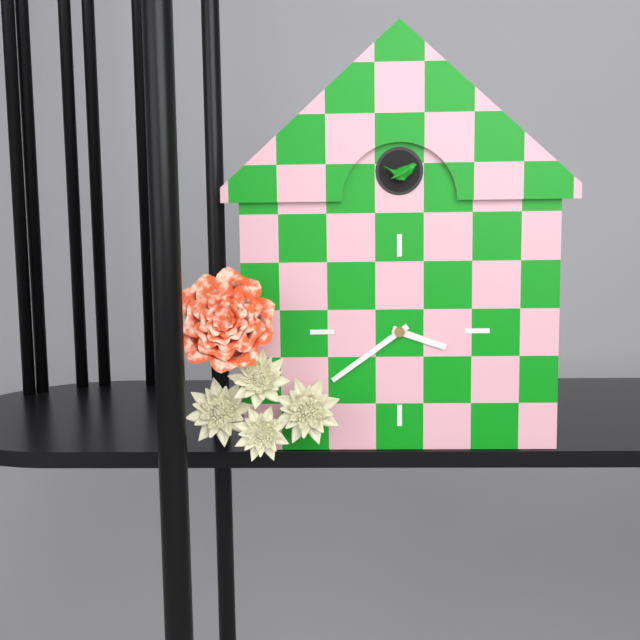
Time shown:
**3:39**
